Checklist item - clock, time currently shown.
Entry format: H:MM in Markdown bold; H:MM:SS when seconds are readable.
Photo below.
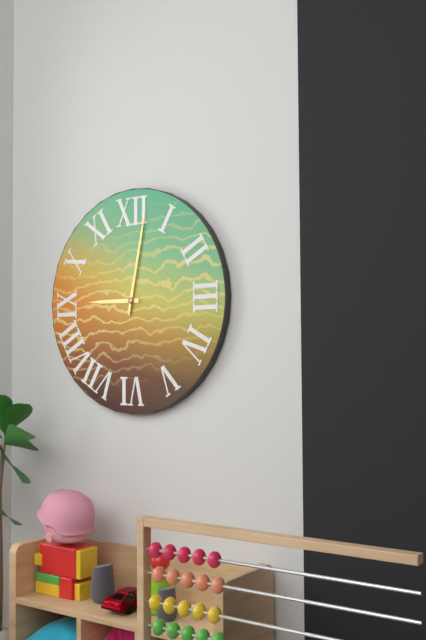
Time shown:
**9:02**
